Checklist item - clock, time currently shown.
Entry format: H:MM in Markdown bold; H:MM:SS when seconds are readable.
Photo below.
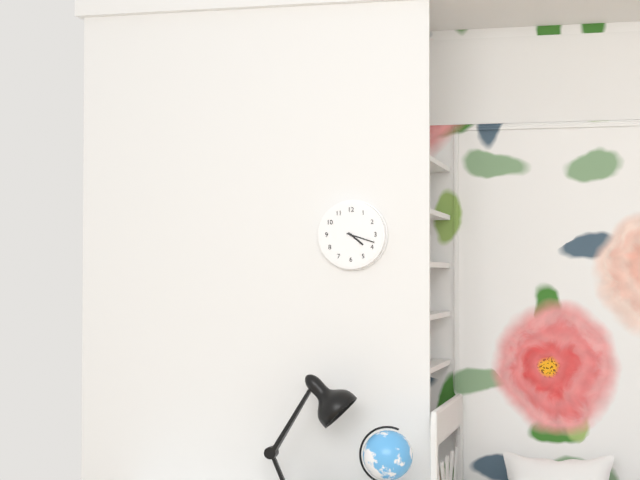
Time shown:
**4:18**
